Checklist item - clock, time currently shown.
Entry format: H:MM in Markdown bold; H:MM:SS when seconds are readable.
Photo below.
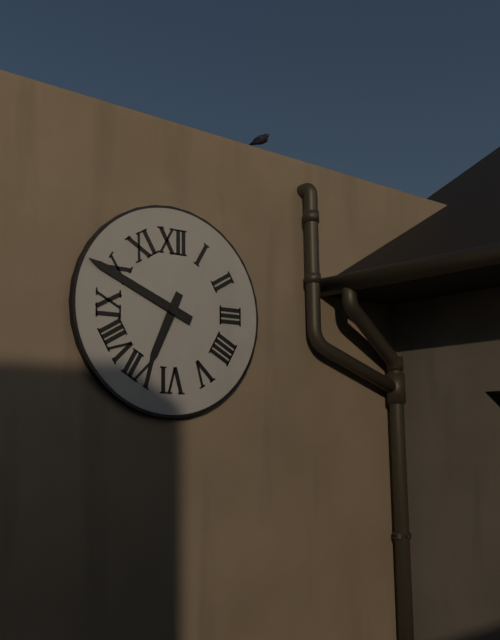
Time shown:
**6:49**
